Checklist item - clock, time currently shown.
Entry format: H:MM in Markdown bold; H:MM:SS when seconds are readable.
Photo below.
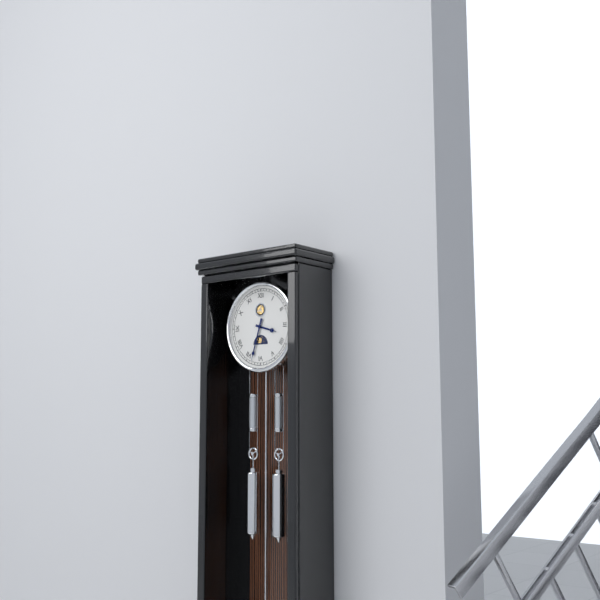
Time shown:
**3:33**
